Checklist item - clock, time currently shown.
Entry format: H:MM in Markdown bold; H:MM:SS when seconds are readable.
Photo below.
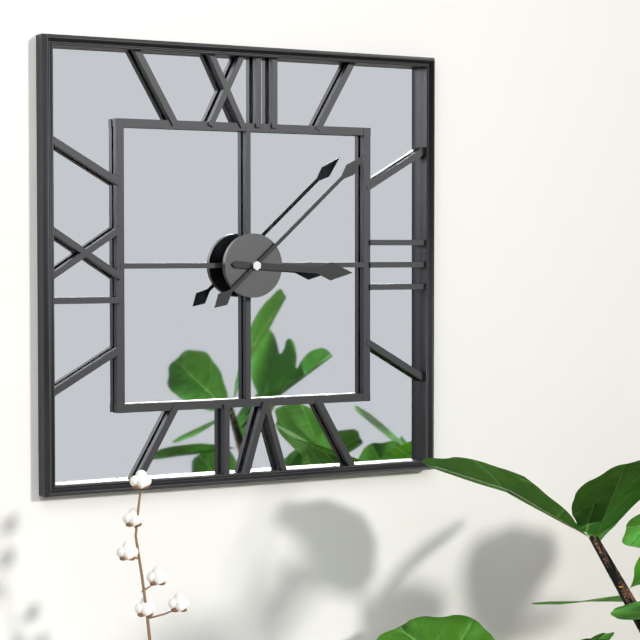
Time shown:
**3:08**
